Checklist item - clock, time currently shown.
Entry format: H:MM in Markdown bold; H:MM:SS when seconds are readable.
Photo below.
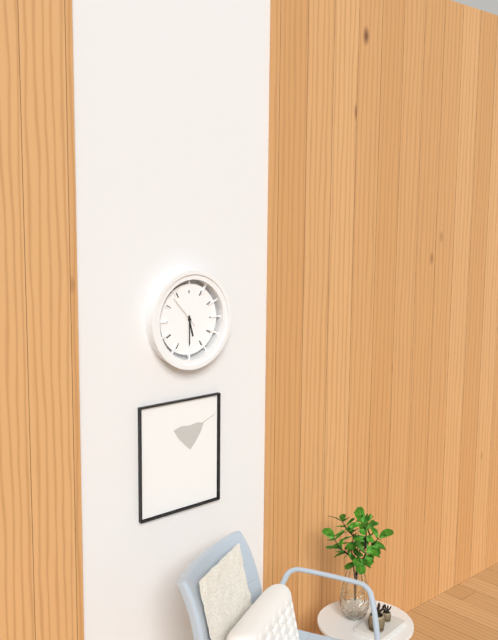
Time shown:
**5:30**
